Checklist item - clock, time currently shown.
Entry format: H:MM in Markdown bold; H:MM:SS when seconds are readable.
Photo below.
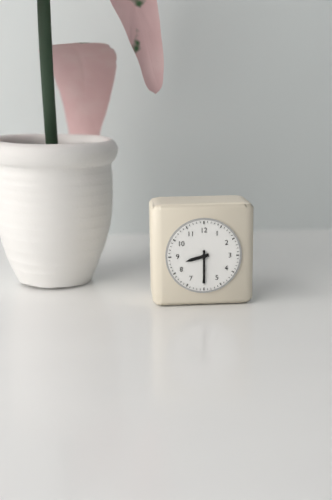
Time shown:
**8:30**
